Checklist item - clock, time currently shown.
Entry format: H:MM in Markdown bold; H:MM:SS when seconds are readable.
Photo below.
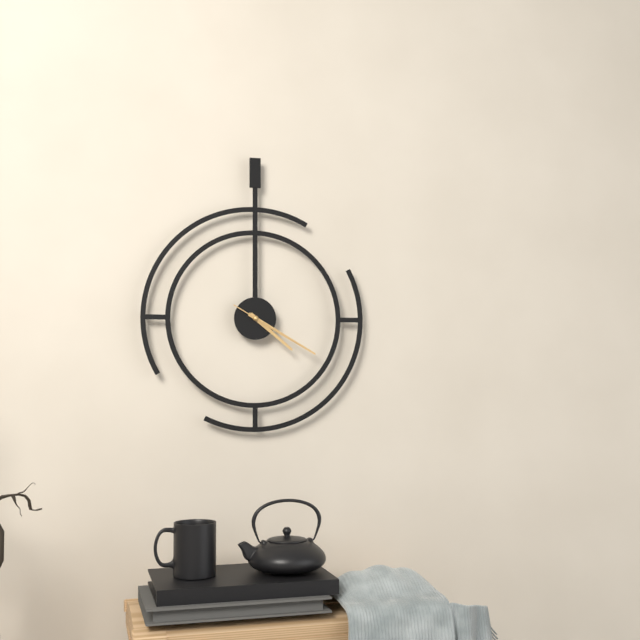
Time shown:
**4:20:20**
